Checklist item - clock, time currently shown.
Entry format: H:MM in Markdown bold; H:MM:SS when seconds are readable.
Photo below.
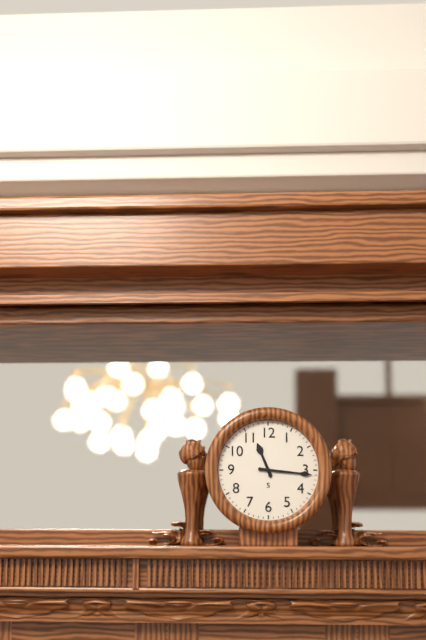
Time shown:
**11:16**
